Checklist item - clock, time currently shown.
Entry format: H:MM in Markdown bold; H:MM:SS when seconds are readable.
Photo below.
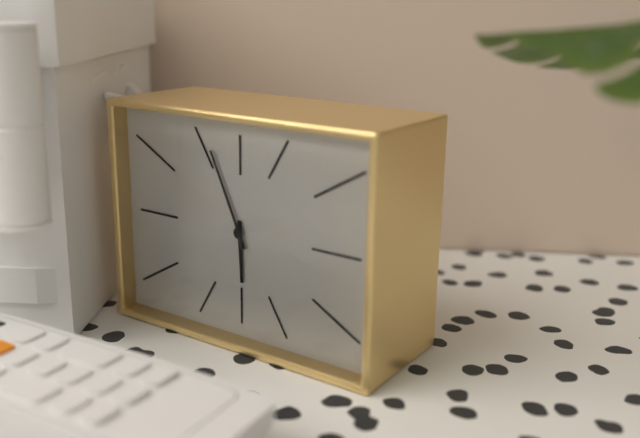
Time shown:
**5:56**
